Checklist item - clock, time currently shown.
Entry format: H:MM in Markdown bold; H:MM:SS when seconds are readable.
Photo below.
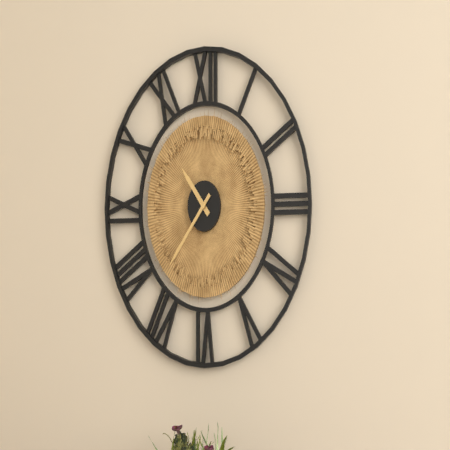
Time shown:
**10:37**
